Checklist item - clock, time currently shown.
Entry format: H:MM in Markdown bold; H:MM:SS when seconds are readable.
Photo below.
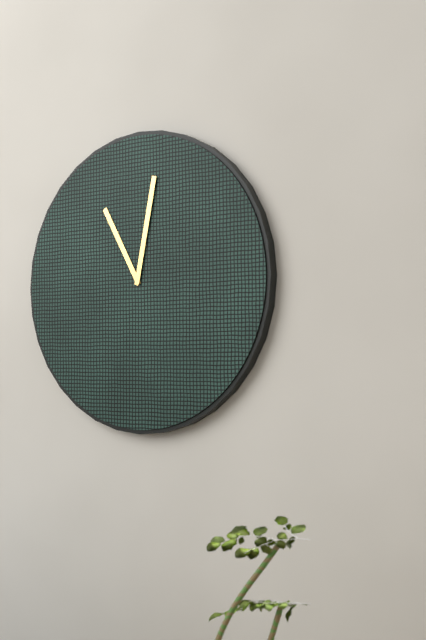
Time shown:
**11:02**
